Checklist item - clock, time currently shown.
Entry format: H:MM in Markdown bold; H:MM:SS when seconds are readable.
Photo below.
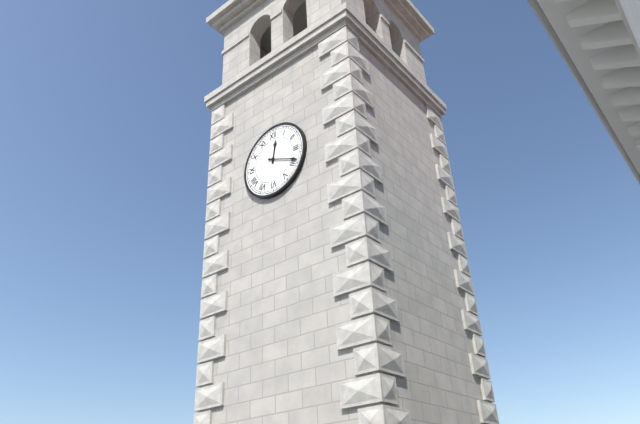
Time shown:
**12:19**
